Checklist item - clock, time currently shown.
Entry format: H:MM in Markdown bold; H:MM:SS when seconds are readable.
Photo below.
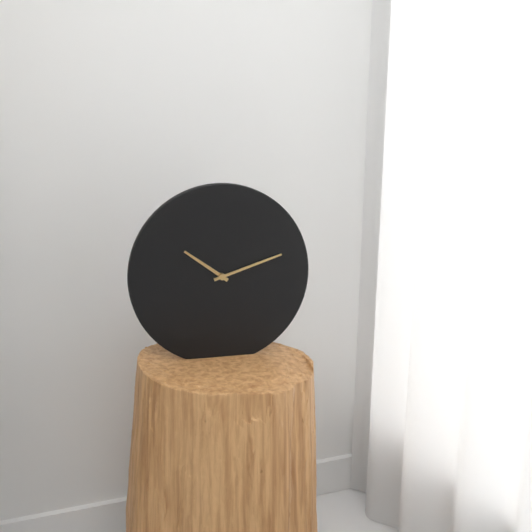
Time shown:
**10:12**
